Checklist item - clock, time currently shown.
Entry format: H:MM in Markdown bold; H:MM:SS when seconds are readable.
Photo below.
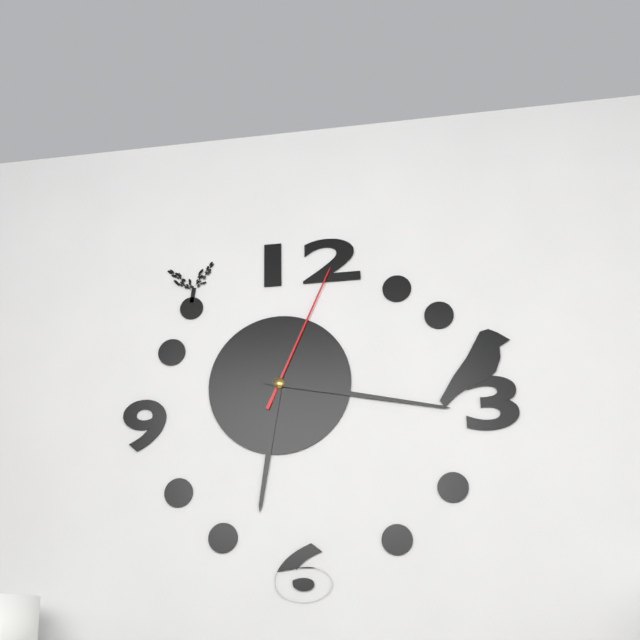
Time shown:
**6:17:04**
